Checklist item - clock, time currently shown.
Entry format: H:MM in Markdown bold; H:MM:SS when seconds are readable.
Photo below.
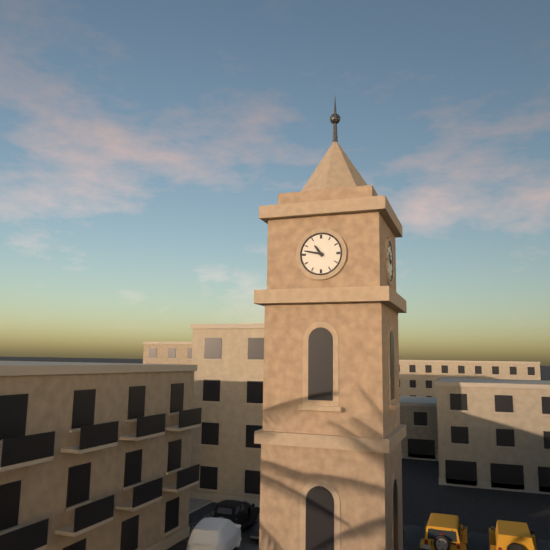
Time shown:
**10:47**
